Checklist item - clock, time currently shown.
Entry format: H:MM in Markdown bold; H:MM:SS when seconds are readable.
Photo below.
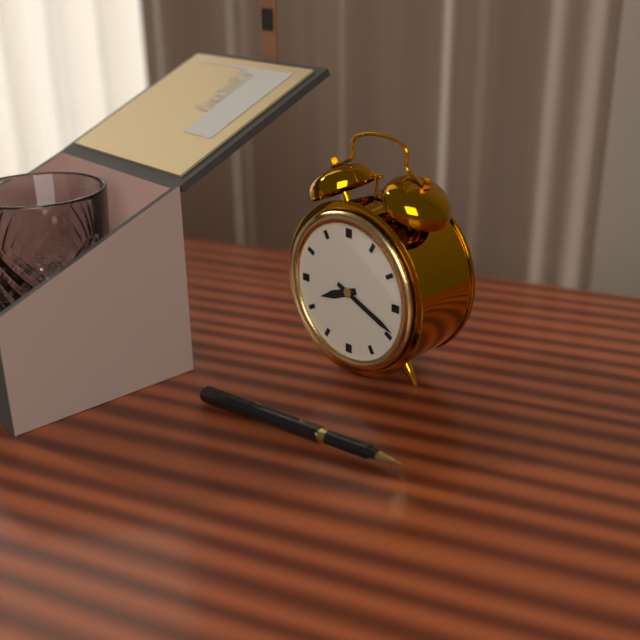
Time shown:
**8:19**
